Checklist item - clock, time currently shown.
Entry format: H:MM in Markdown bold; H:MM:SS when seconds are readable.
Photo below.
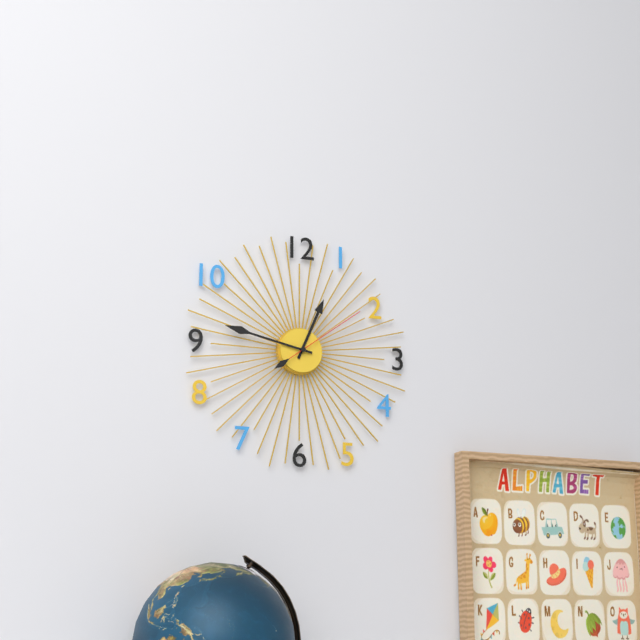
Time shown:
**12:47:09**
